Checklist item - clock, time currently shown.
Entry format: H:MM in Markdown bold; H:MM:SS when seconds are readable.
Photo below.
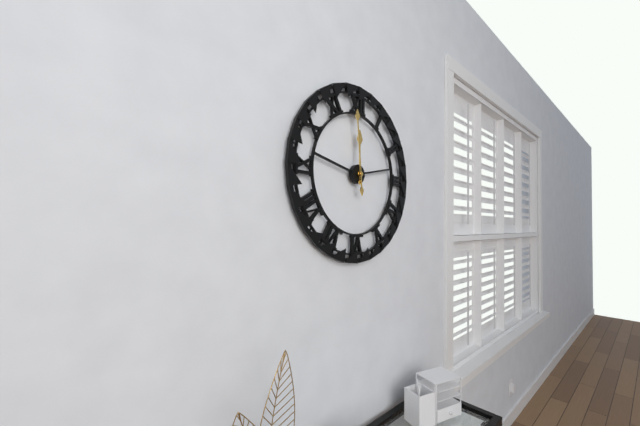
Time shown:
**11:59**
